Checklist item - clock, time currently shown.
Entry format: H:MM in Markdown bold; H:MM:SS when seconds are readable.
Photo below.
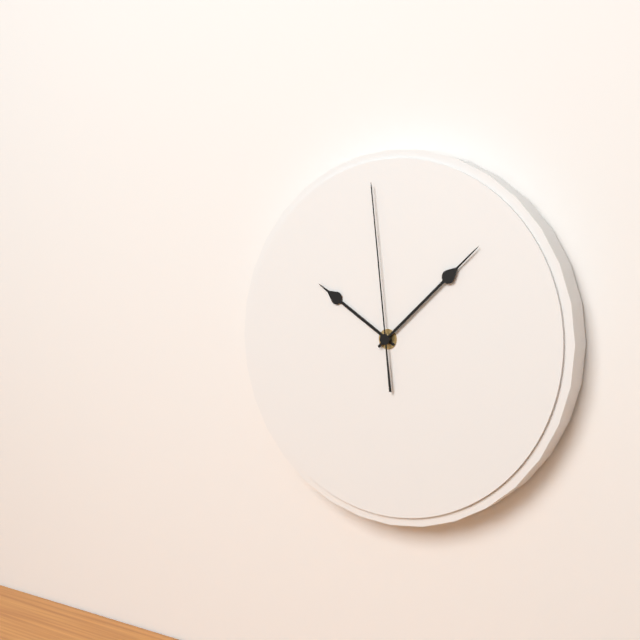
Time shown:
**10:08:59**
